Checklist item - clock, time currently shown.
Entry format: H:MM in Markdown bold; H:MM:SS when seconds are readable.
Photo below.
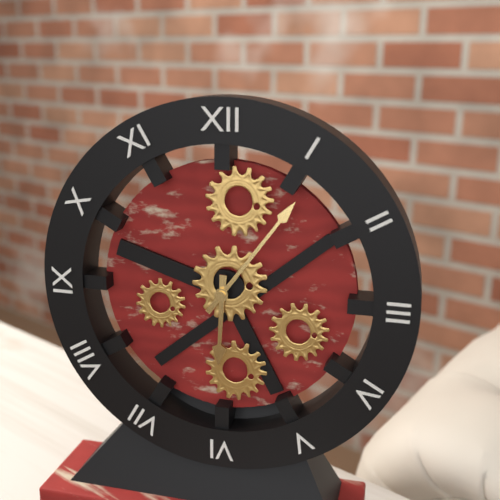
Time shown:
**6:06**
